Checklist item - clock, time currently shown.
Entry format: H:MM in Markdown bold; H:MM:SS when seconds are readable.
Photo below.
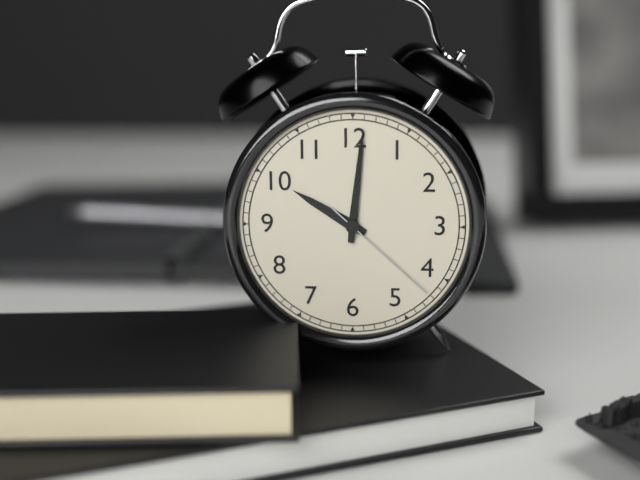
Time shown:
**10:01:22**
